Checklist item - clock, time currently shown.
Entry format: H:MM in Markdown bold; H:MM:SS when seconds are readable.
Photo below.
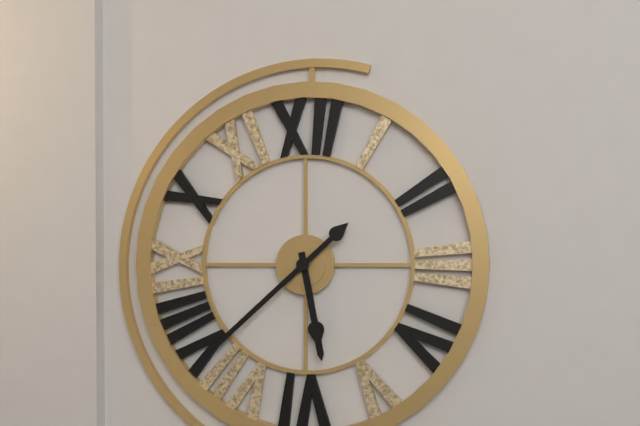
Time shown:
**5:38**
